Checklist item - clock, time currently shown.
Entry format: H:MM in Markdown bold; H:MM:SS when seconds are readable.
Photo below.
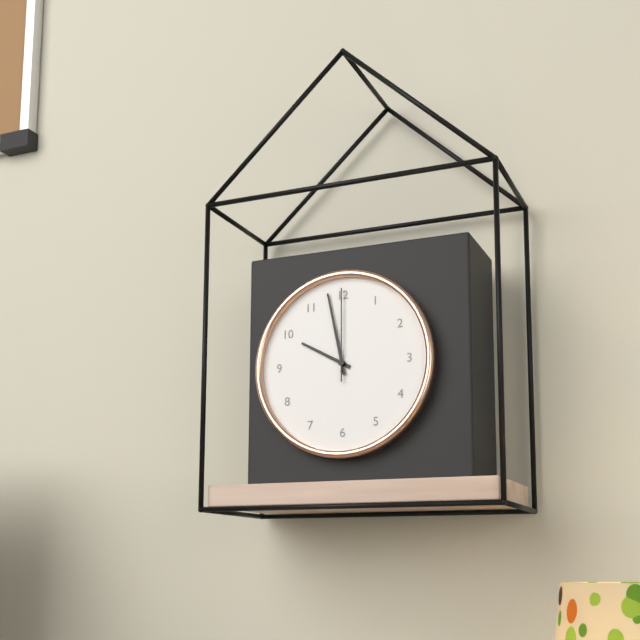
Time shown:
**9:58:00**
